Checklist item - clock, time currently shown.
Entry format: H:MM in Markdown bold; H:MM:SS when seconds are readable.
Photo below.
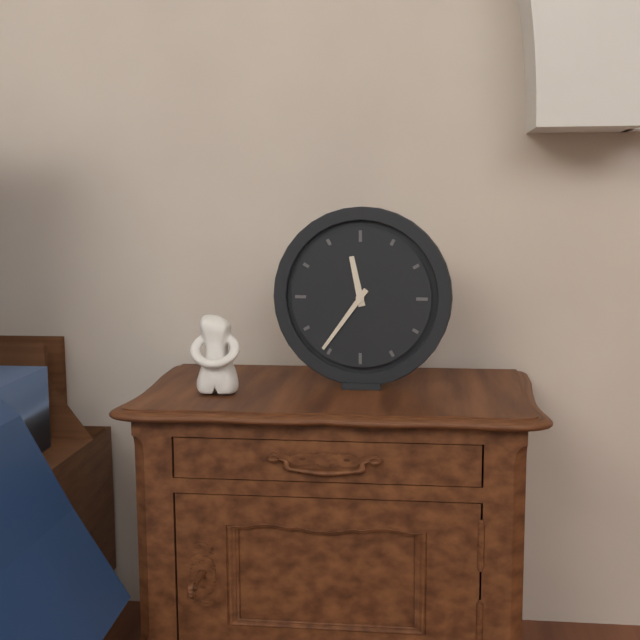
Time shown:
**11:36**
